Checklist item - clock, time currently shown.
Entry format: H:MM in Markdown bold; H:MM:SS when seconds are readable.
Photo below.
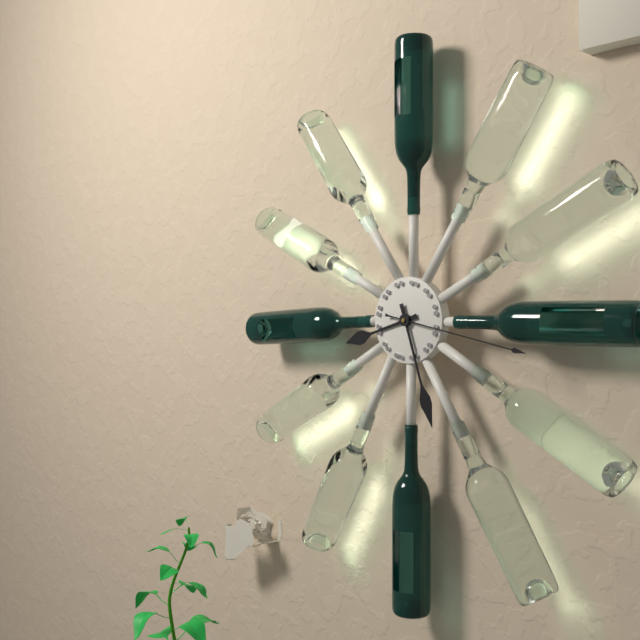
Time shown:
**8:27:17**
